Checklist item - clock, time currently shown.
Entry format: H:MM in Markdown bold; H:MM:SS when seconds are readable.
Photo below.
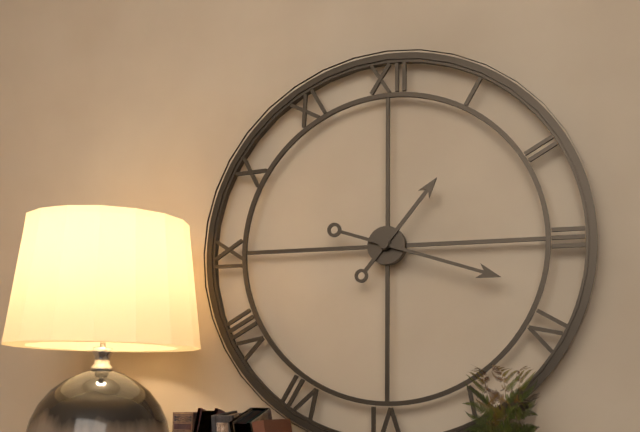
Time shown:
**1:18**
